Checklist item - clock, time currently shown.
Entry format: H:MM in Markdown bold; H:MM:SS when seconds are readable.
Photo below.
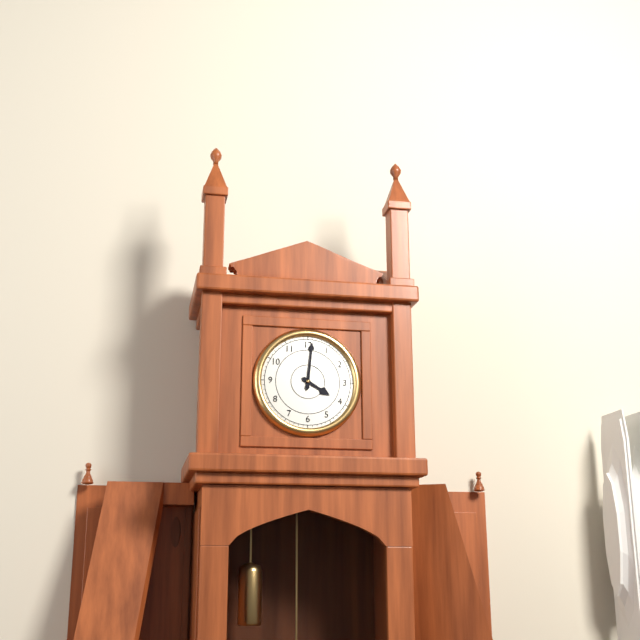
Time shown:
**4:01**
